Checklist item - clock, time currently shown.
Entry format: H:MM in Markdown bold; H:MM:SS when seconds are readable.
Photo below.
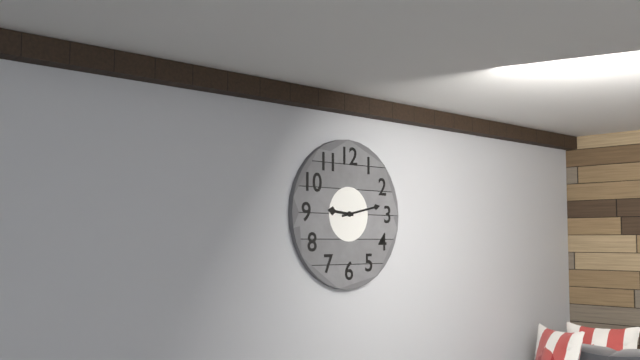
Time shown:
**9:13**
